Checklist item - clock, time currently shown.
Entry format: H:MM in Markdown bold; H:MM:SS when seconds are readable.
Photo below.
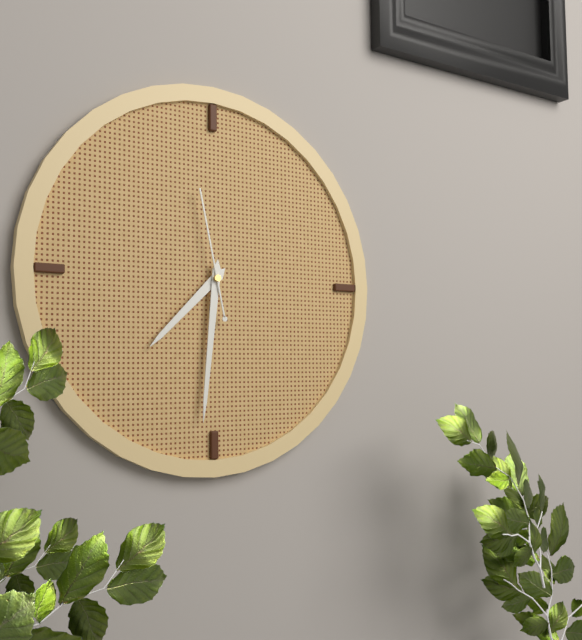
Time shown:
**7:31:58**
